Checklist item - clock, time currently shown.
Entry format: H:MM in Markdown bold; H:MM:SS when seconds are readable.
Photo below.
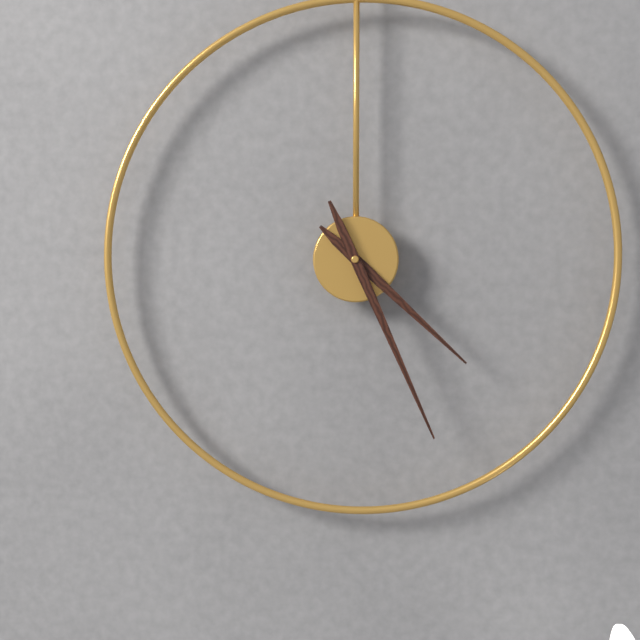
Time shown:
**4:26**
